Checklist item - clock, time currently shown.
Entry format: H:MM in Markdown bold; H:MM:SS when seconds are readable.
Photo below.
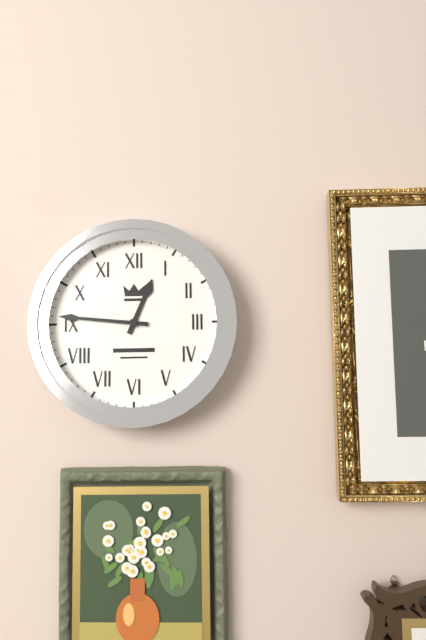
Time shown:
**12:46**
